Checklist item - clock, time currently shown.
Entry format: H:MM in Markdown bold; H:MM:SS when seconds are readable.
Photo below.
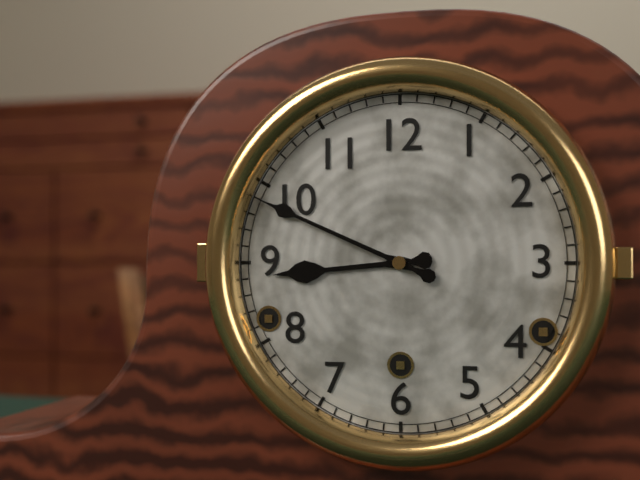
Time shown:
**8:49**
